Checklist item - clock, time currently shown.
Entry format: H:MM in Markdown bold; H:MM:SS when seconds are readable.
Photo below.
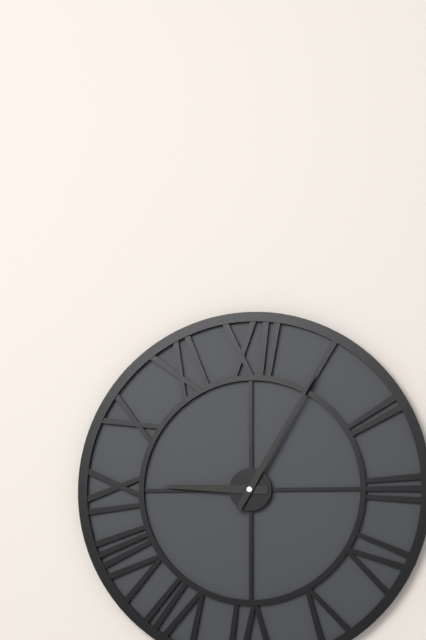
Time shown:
**9:05**
